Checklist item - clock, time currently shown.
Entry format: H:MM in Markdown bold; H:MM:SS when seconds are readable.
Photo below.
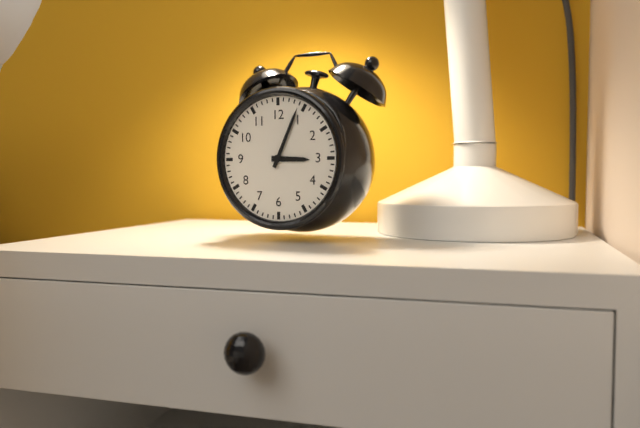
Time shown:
**3:04**
